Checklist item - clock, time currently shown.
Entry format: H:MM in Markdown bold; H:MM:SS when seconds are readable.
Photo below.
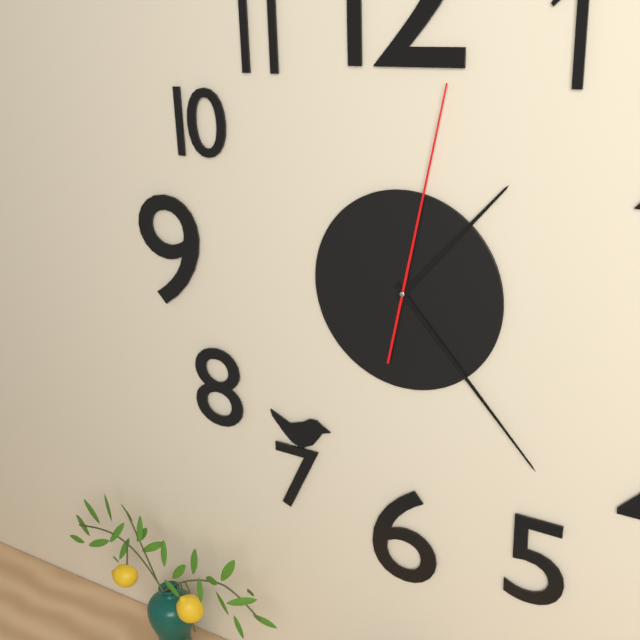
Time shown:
**1:23:02**
